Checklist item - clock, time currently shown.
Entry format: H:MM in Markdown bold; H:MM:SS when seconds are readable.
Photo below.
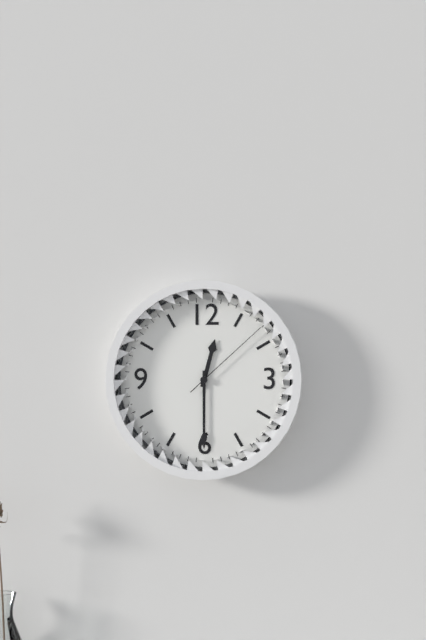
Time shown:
**12:30:08**
